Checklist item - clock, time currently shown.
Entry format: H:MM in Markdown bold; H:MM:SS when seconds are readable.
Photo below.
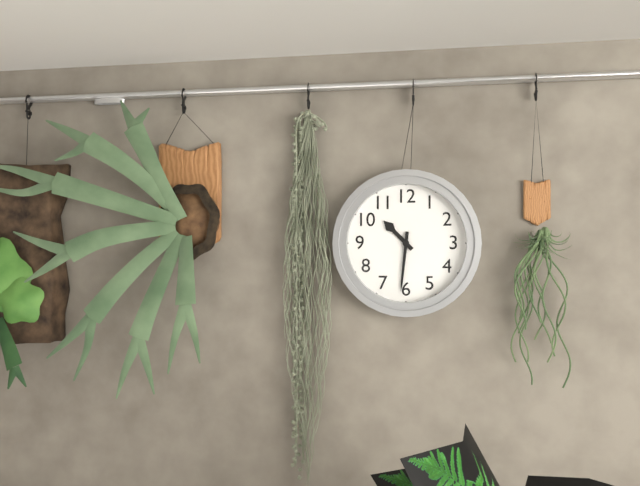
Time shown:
**10:31**
